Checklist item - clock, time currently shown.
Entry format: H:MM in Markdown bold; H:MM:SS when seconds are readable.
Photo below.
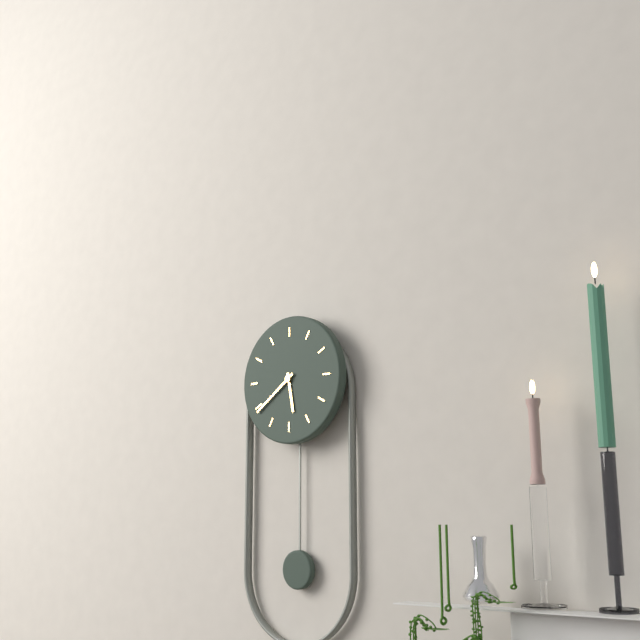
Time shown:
**5:39**
